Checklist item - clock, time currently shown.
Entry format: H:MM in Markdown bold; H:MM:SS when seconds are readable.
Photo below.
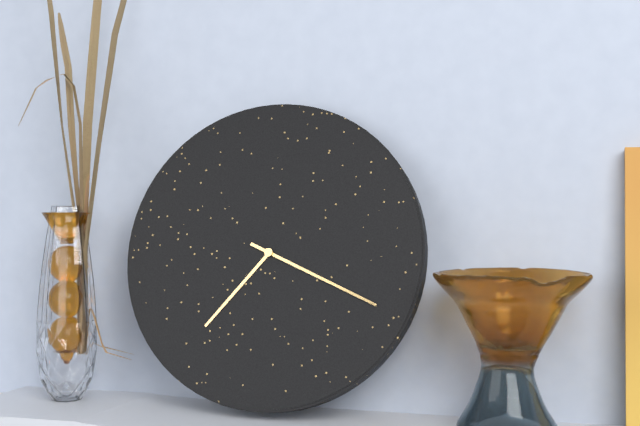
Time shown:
**7:19**
